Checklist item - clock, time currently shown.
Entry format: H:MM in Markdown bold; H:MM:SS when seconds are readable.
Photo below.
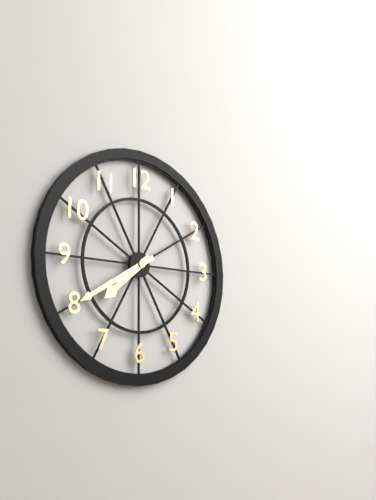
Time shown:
**7:40**
